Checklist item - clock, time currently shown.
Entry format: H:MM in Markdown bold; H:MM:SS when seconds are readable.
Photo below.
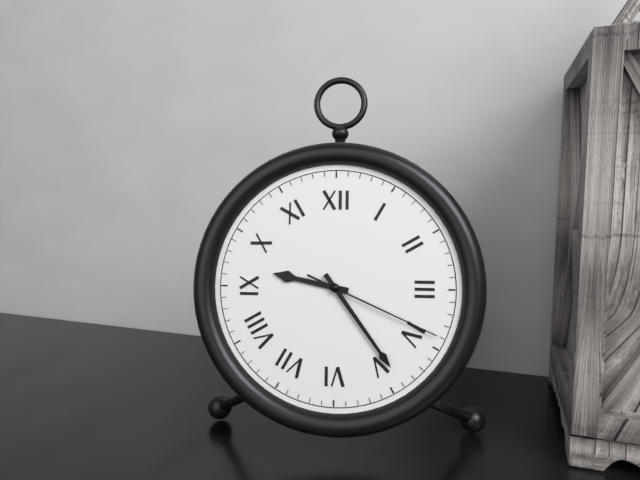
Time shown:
**9:24:19**
